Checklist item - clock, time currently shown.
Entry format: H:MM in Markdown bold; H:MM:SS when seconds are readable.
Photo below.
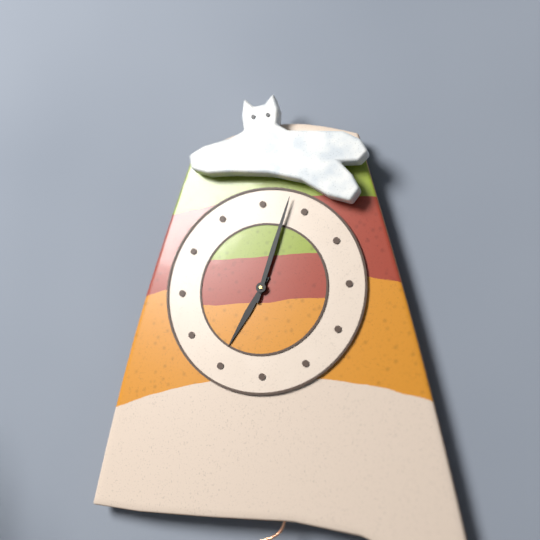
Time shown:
**7:03**
